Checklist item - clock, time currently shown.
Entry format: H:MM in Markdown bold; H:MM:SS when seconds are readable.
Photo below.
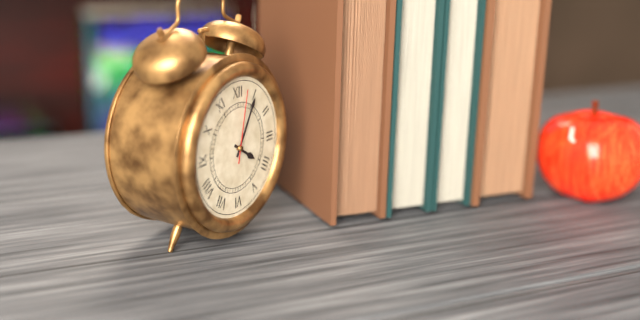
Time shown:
**4:05:02**
